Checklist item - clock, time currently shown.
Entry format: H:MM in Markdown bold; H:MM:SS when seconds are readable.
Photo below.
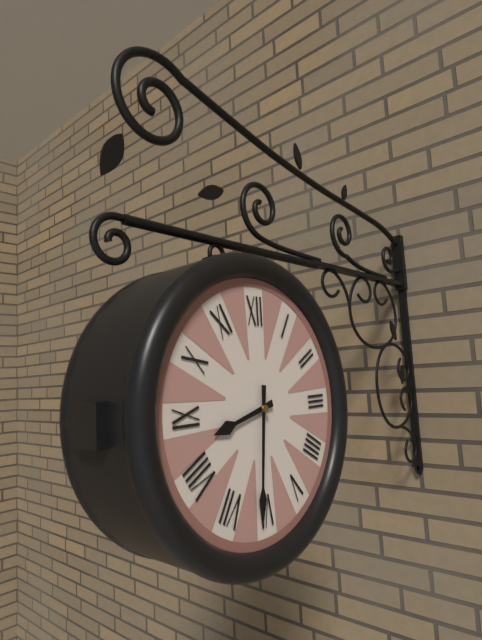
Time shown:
**8:31**
